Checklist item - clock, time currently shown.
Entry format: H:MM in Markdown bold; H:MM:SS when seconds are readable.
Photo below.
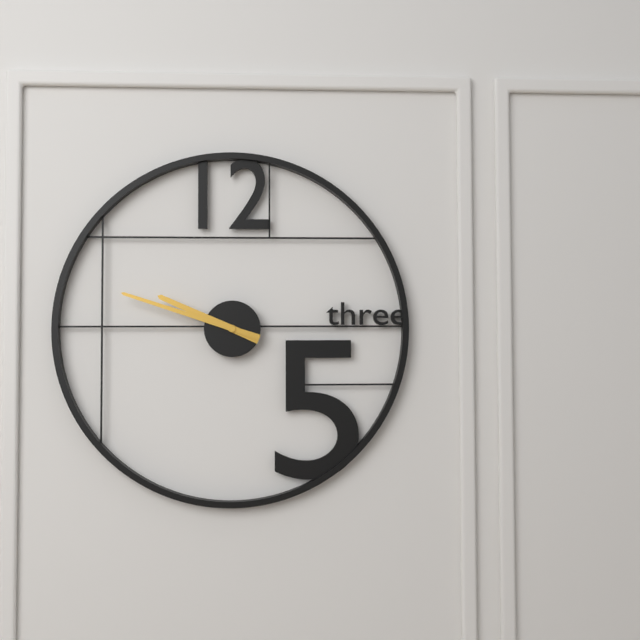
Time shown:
**9:48**
